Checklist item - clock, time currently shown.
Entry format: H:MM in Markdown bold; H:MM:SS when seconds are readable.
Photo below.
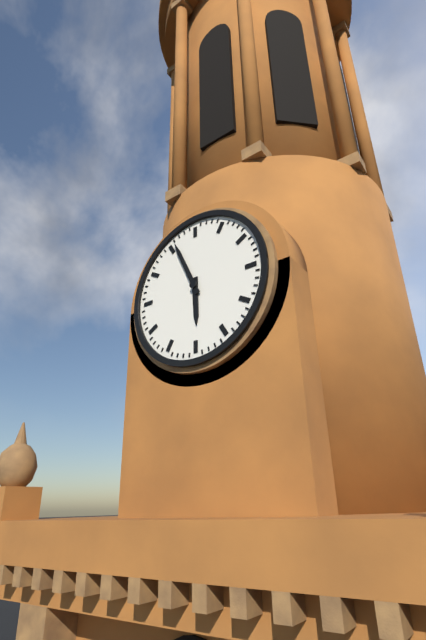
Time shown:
**5:56**
